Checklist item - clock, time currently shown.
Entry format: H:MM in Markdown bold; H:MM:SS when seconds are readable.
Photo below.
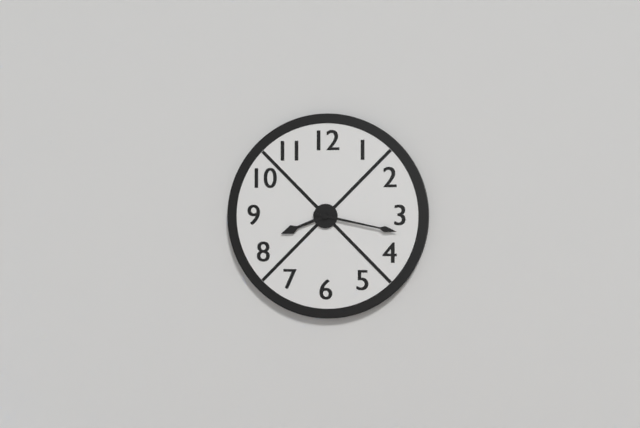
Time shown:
**8:17**
